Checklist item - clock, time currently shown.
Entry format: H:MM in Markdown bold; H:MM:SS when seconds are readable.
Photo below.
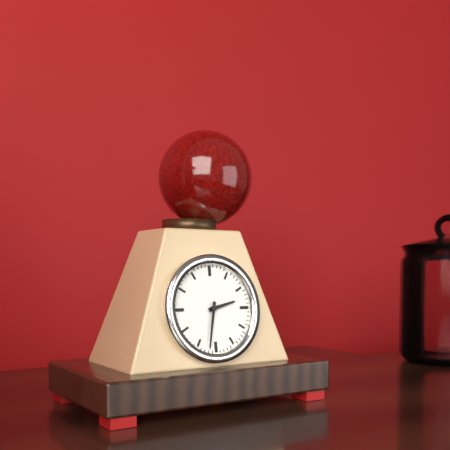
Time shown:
**2:32**
